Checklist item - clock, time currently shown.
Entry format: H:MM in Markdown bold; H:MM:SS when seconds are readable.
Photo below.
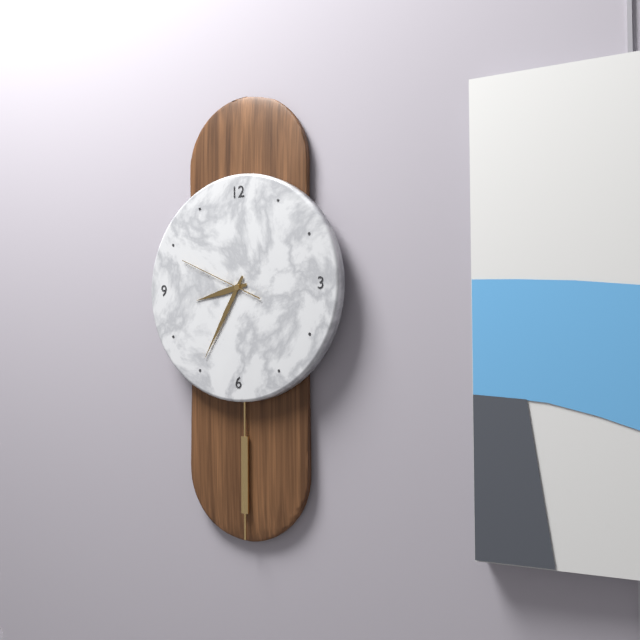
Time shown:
**8:35:49**
